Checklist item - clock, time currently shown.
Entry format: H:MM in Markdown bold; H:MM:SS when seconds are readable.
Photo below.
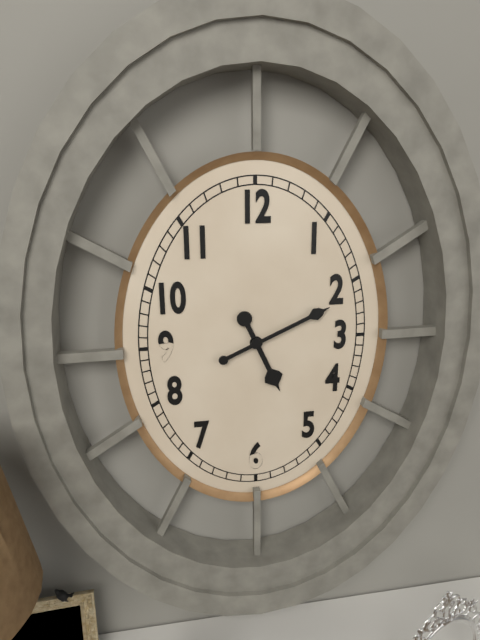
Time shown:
**5:11**
